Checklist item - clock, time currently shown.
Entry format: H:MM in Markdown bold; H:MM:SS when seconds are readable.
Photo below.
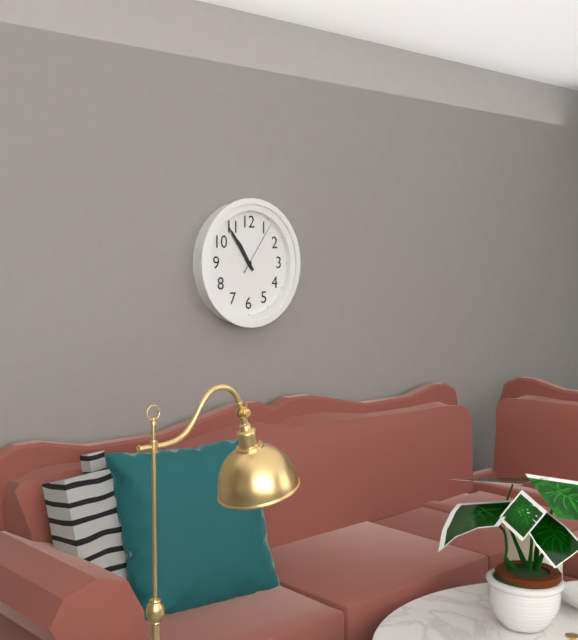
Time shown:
**10:54:06**
